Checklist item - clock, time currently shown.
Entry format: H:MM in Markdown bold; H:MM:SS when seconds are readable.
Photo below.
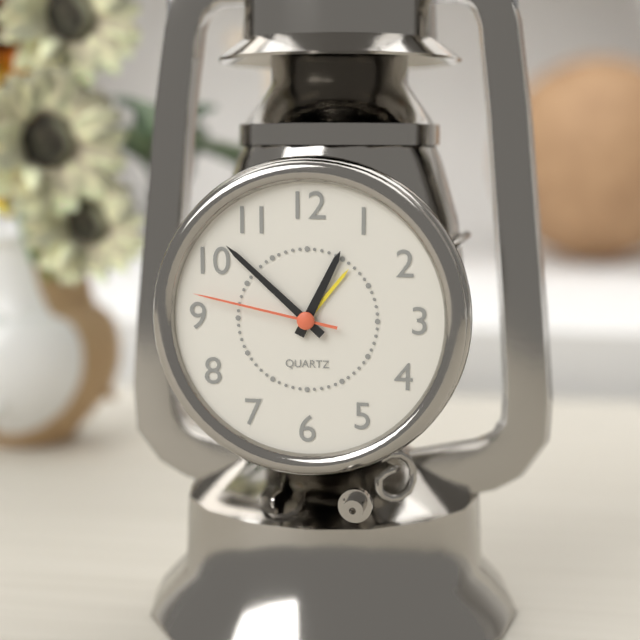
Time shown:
**12:52:47**
